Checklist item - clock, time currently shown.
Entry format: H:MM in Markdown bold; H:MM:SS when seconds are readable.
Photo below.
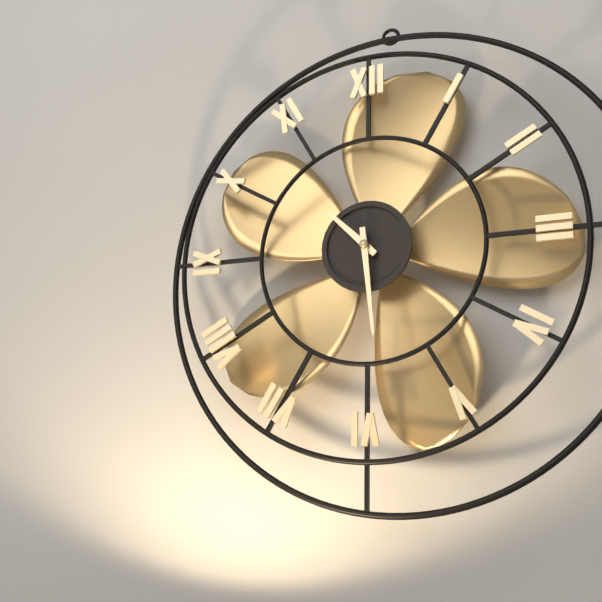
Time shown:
**10:29**
